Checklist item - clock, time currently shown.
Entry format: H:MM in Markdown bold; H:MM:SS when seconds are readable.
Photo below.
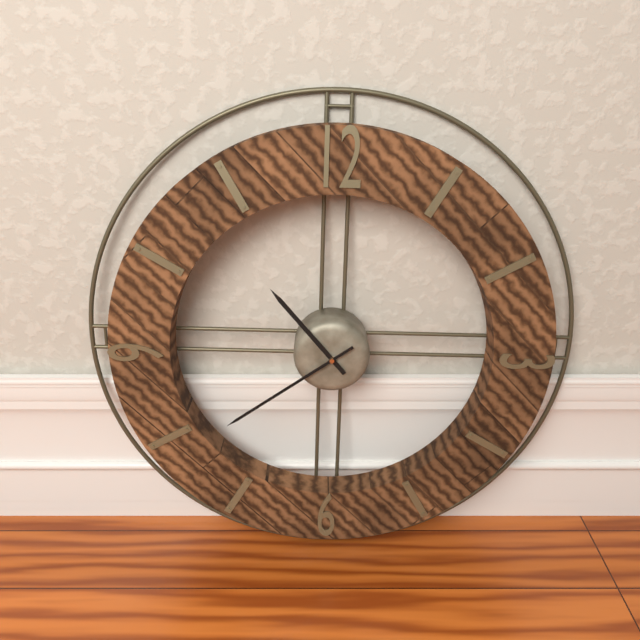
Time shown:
**10:39**
